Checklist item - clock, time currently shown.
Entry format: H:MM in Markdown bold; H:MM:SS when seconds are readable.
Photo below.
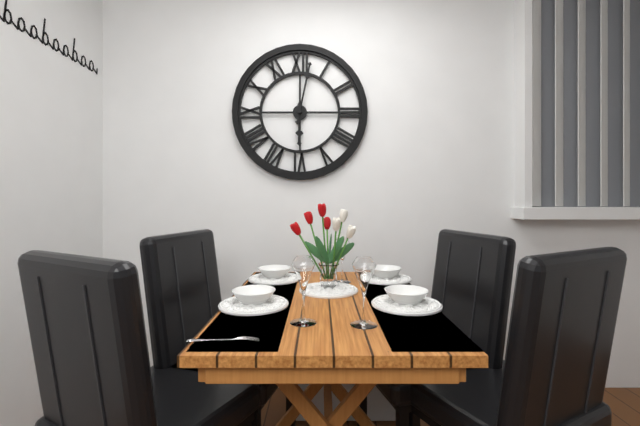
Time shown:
**6:02**
